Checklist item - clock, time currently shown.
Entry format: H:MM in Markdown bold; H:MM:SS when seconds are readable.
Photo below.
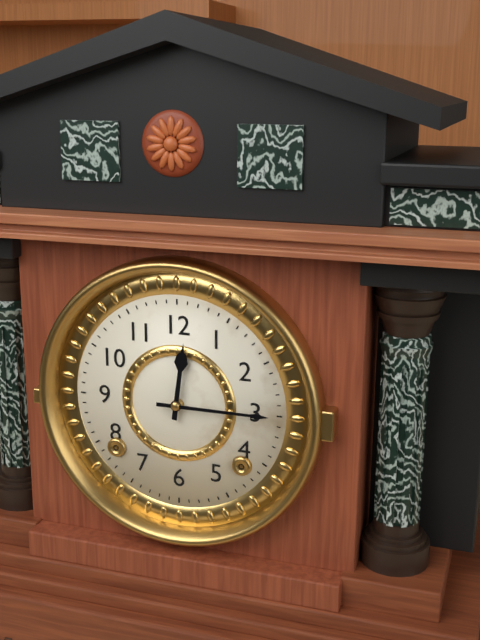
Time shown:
**12:15**
